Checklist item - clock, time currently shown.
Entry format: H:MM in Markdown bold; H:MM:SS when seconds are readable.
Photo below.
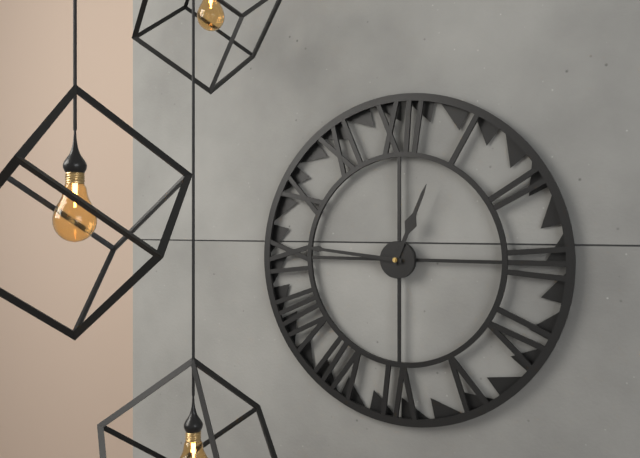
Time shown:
**12:46**
